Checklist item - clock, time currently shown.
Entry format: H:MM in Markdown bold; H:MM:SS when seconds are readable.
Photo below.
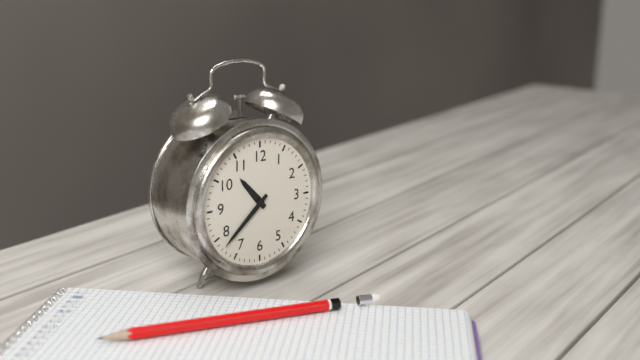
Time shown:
**10:38**
